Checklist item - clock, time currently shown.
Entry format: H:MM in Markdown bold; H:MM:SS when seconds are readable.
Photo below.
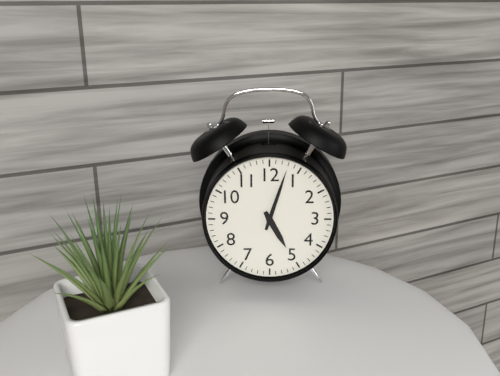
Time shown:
**5:03**
